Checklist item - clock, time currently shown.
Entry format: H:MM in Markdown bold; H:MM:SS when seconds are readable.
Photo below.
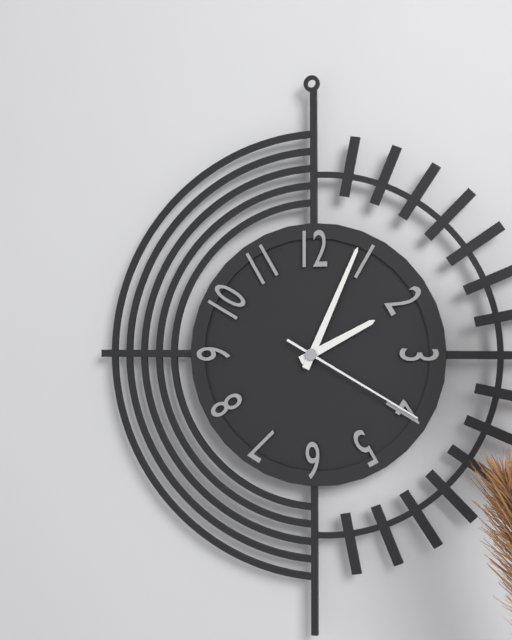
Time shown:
**2:04:20**
